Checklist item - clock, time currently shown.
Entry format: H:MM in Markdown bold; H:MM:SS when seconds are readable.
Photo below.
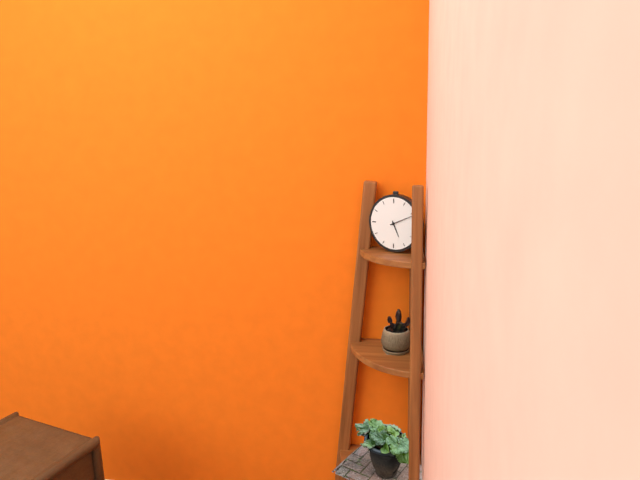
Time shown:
**5:11**
